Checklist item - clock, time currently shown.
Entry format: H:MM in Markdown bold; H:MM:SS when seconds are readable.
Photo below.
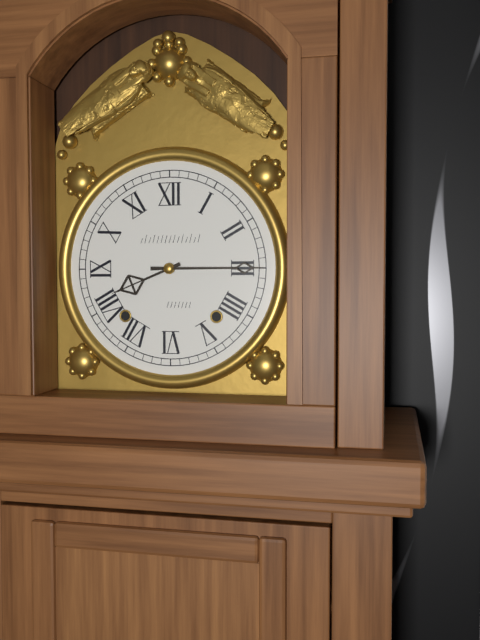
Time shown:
**8:15**
